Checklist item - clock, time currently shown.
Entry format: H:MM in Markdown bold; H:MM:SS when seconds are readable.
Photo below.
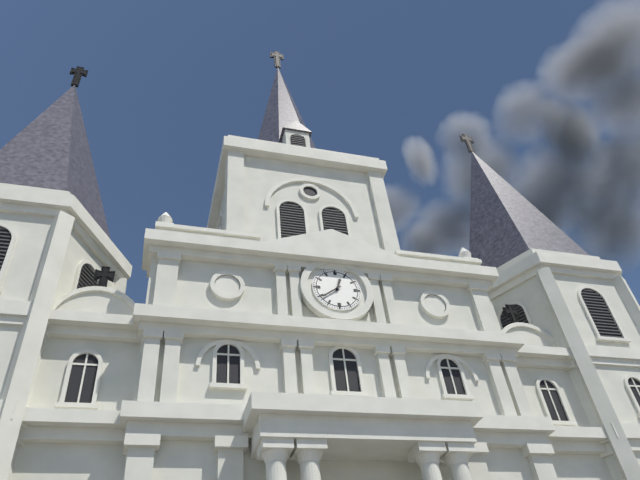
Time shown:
**12:39**
